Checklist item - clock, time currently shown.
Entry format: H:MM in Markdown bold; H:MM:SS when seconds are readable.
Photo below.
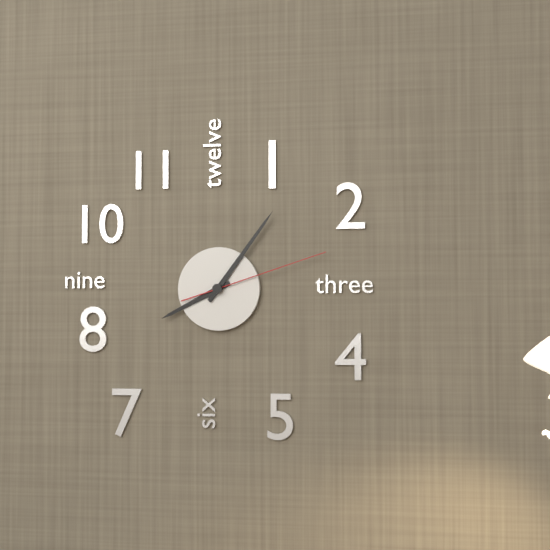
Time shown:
**8:06:12**
